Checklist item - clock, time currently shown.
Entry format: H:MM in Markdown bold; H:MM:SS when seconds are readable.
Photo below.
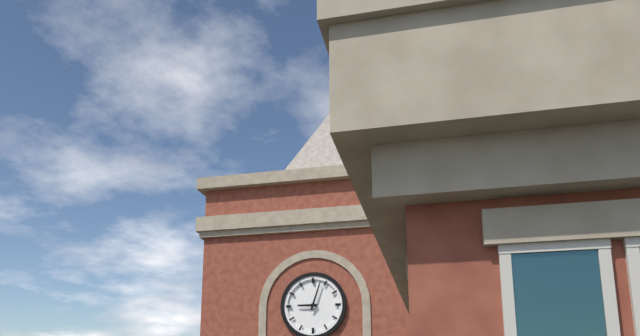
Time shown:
**9:03**
